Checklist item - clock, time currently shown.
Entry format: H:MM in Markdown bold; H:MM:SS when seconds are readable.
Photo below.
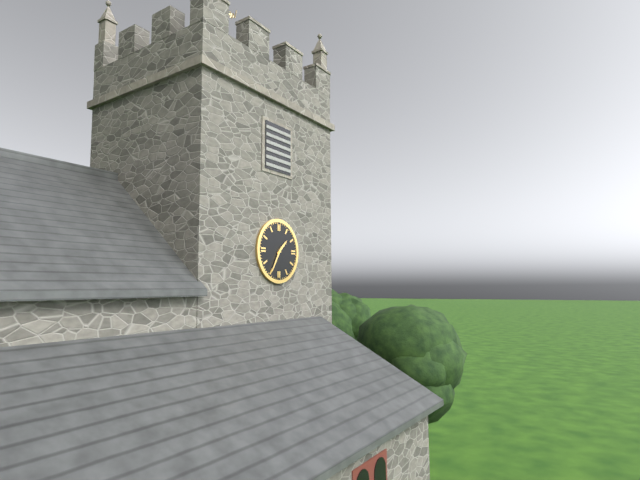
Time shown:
**1:35**
